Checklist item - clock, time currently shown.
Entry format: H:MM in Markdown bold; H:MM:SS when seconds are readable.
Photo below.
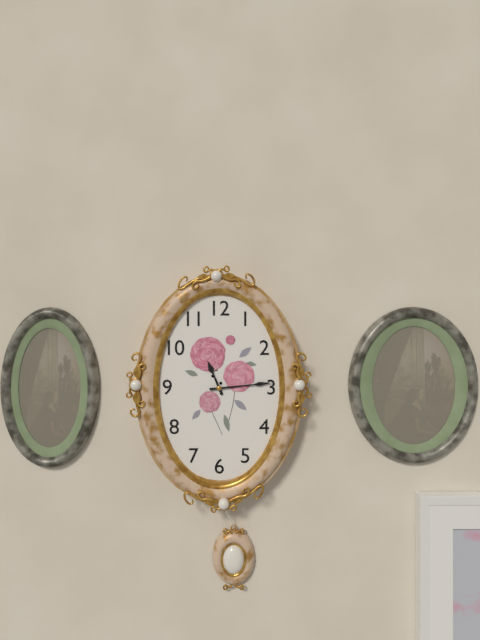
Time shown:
**11:14**
